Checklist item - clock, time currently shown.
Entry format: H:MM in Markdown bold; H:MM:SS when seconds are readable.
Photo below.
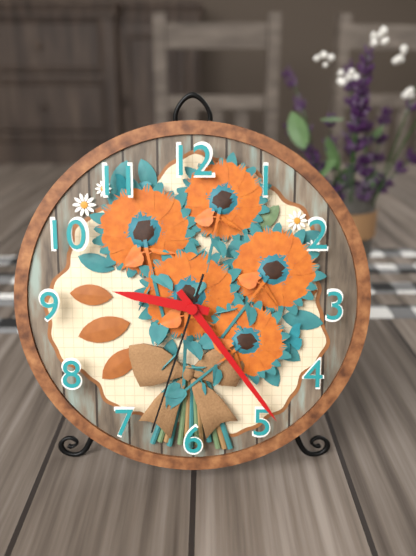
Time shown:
**9:24:33**
